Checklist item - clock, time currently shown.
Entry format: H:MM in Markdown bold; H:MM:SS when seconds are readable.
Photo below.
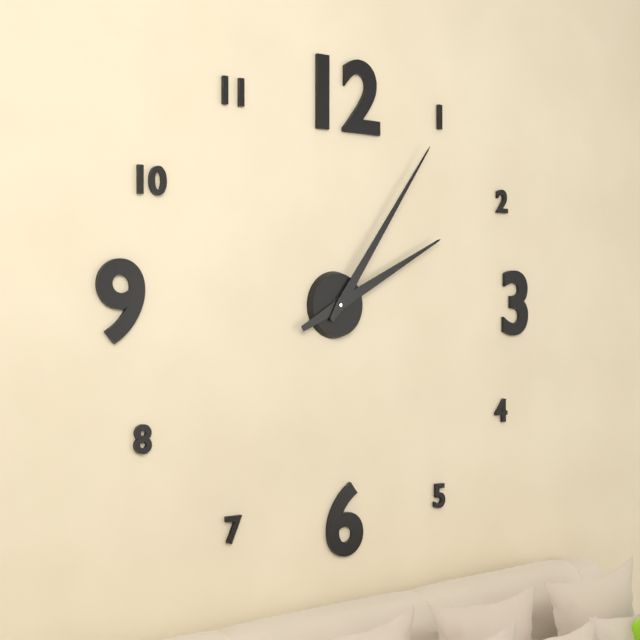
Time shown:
**2:06**
